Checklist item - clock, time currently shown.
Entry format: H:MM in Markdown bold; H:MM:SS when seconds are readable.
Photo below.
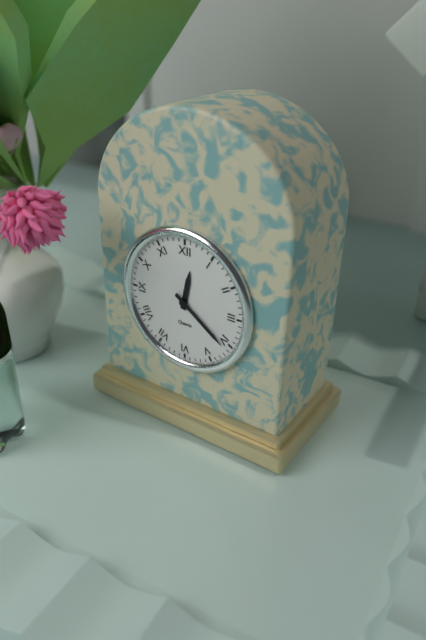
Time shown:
**12:21**
